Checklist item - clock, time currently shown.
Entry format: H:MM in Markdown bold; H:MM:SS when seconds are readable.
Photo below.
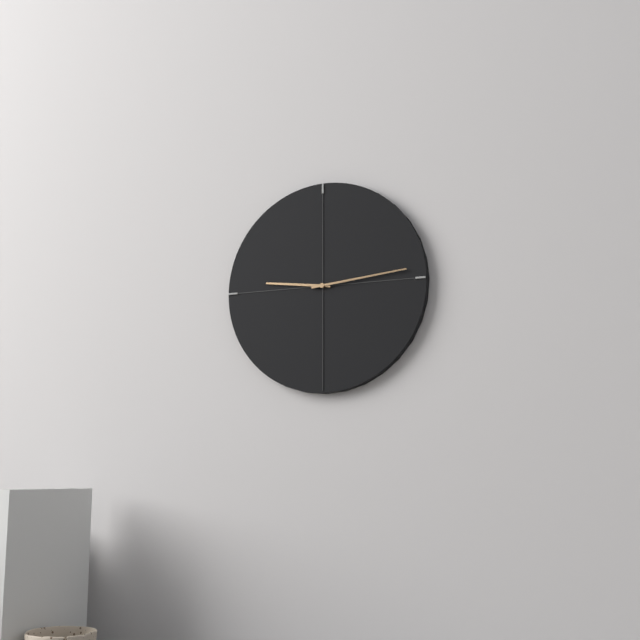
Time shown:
**9:14**
